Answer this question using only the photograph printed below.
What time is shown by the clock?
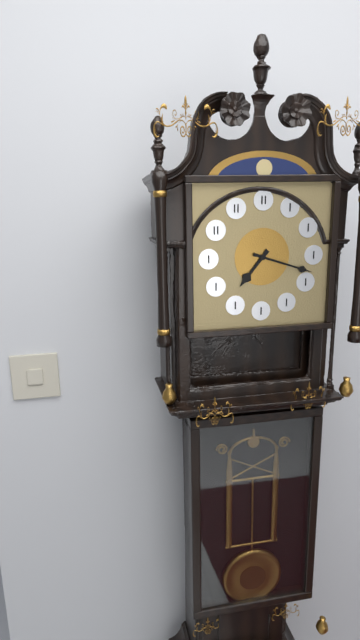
7:18
